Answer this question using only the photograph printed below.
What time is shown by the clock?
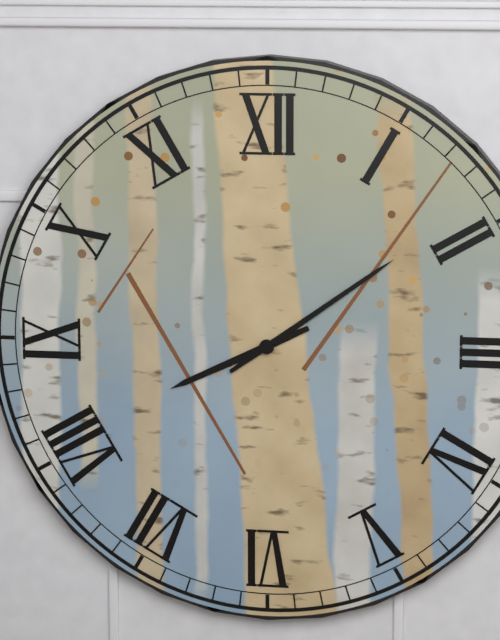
8:09
